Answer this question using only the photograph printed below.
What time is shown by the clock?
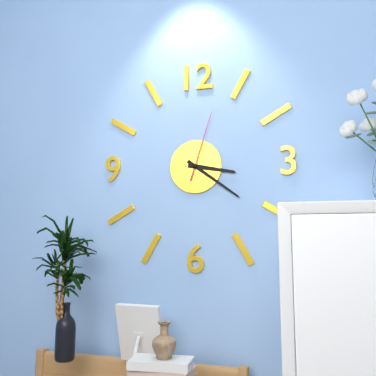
3:21:03
